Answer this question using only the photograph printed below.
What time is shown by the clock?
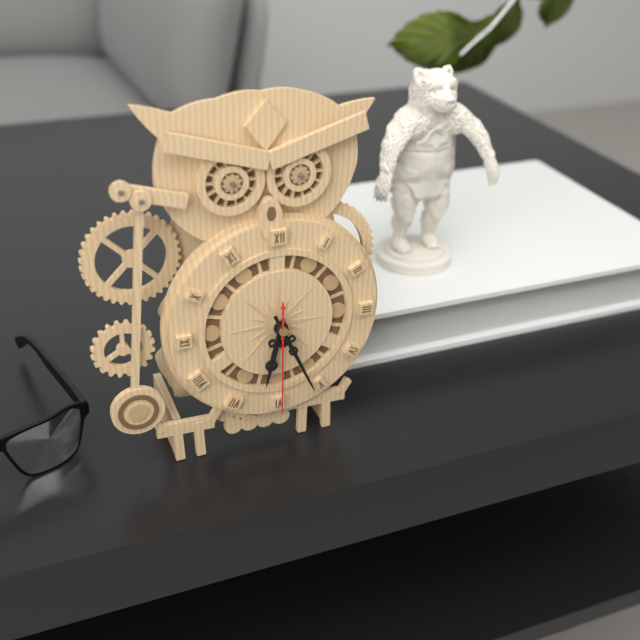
6:26:30
